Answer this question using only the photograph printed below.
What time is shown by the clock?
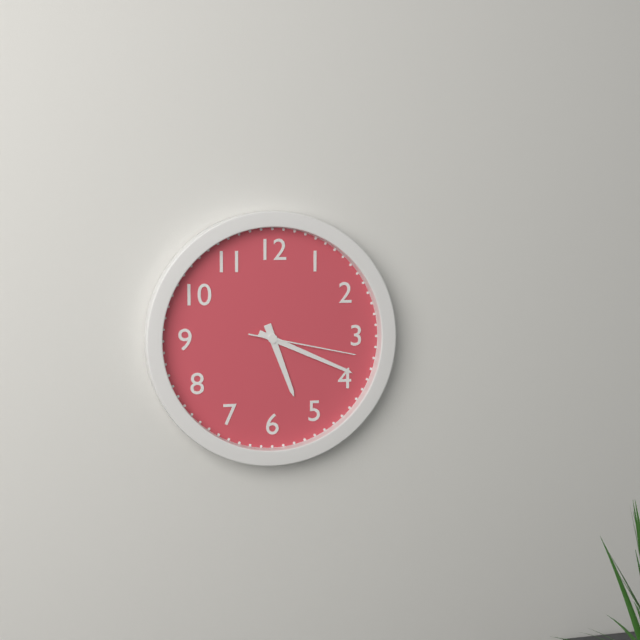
5:19:17
